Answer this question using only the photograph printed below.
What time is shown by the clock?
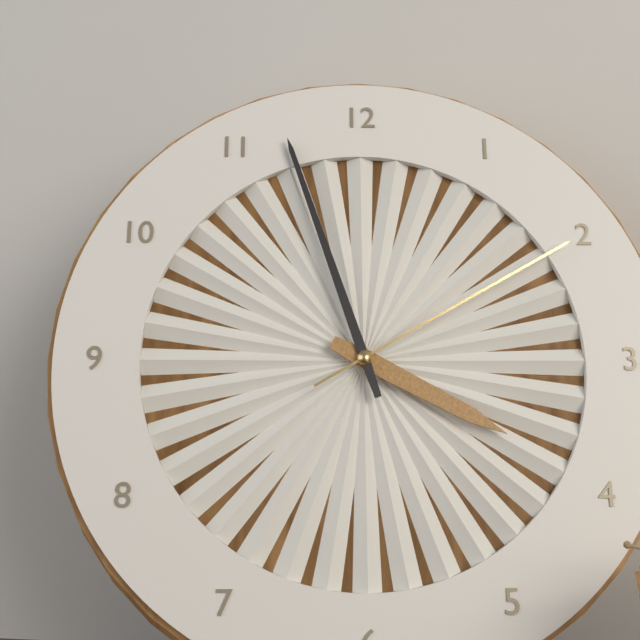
3:57:10
